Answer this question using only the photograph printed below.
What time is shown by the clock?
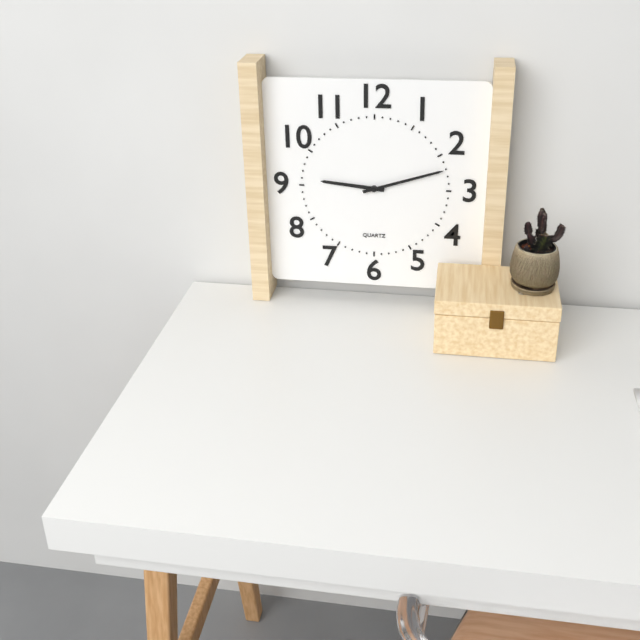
9:12
